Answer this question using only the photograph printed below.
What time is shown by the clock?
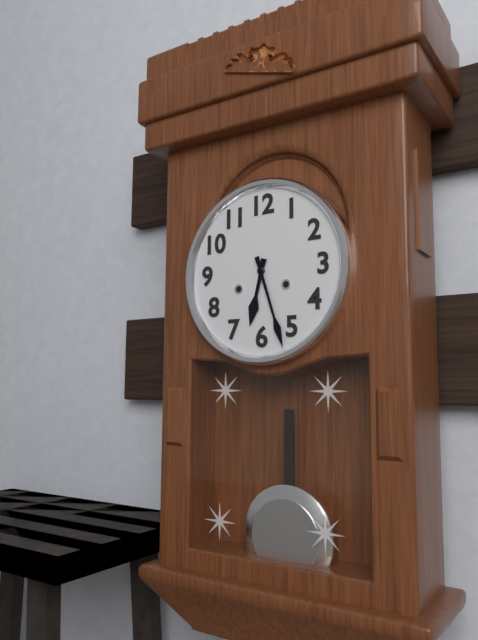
6:27
